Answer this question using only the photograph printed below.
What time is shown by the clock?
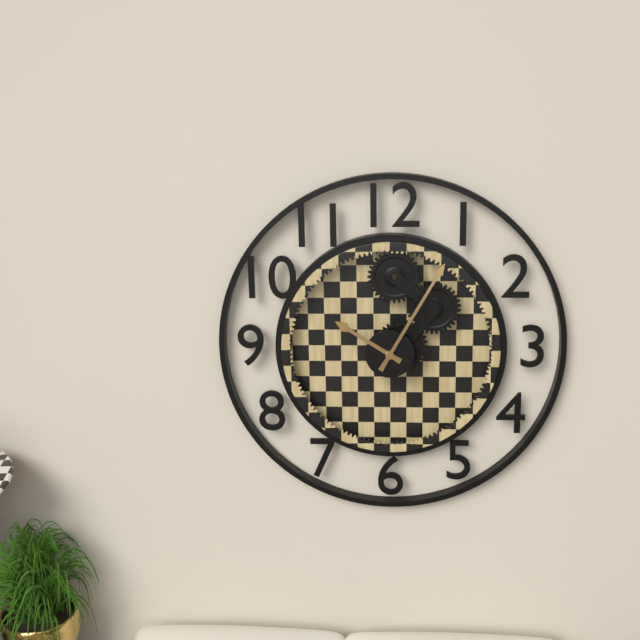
10:05
